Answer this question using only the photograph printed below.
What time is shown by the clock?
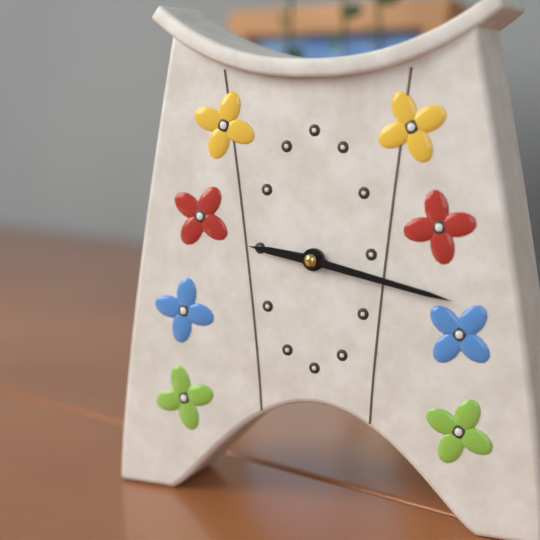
9:17
